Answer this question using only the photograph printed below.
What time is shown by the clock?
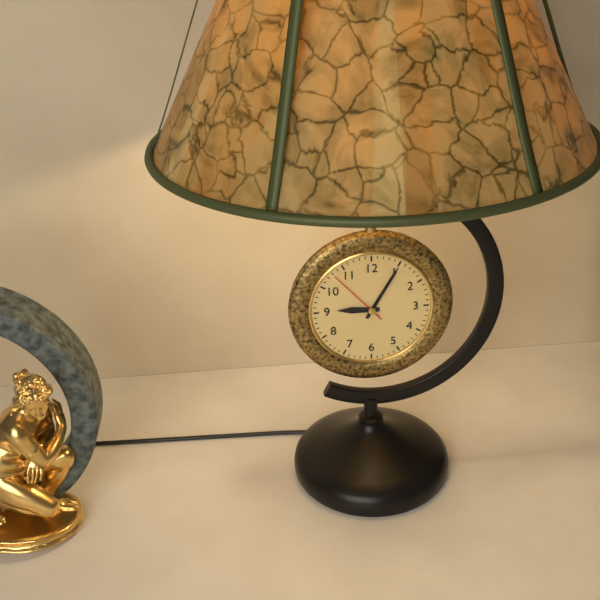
9:05:53
